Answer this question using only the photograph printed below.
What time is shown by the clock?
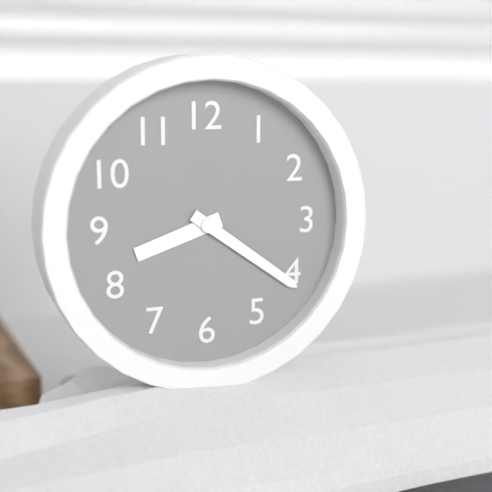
8:21
